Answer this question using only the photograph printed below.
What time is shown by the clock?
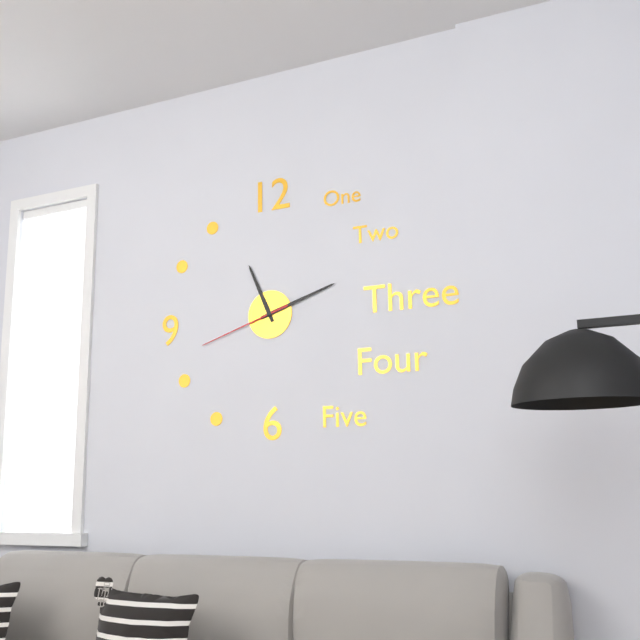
11:12:42
